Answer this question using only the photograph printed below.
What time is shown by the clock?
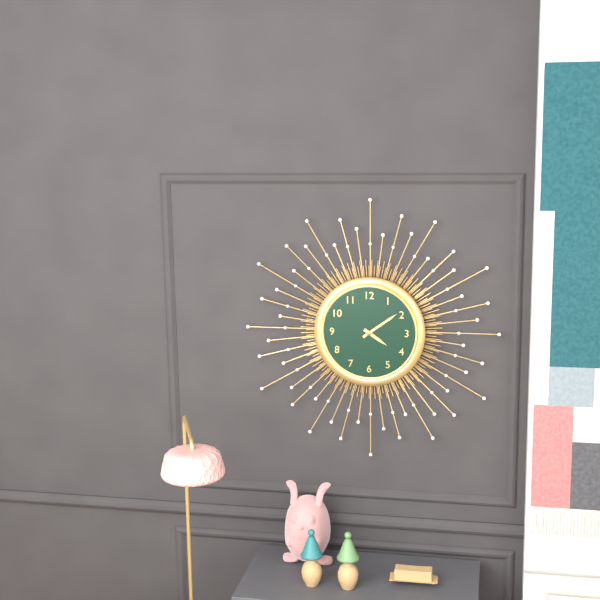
4:09
